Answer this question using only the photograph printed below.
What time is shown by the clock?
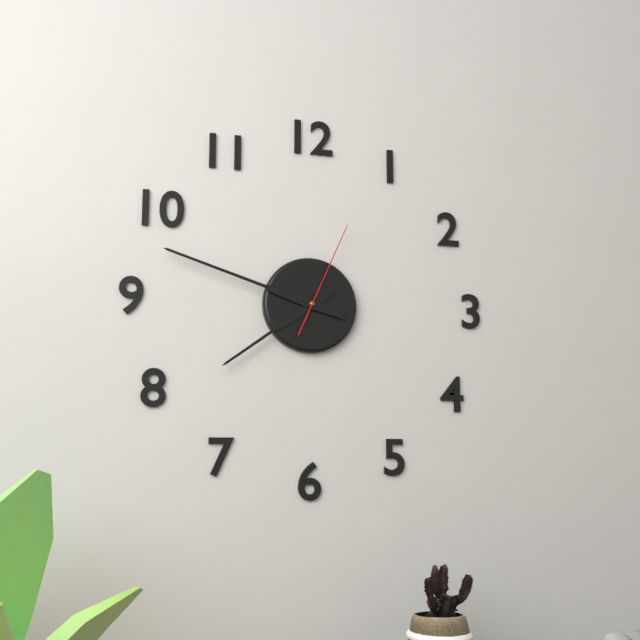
7:48:04
